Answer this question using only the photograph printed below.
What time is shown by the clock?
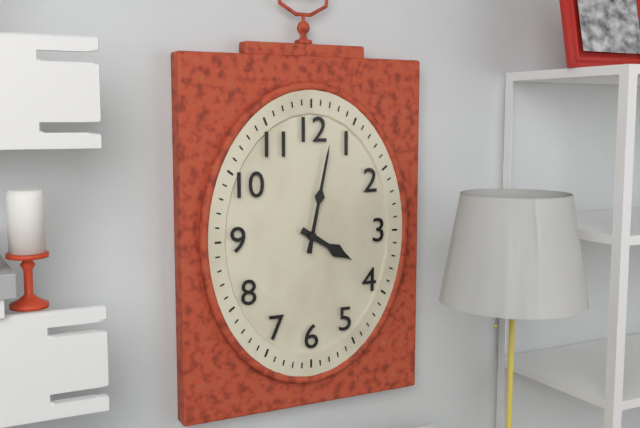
4:02
